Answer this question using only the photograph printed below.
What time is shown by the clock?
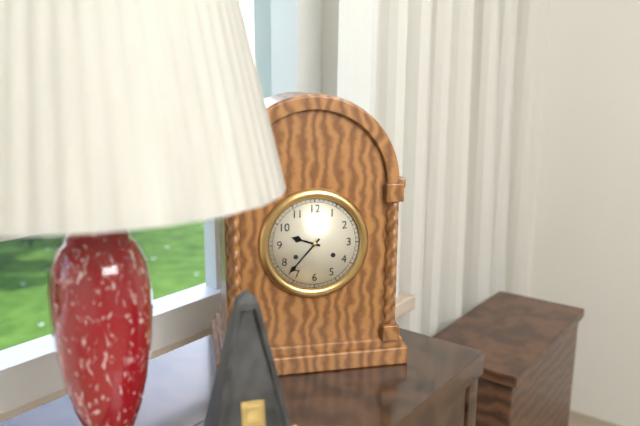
9:37
